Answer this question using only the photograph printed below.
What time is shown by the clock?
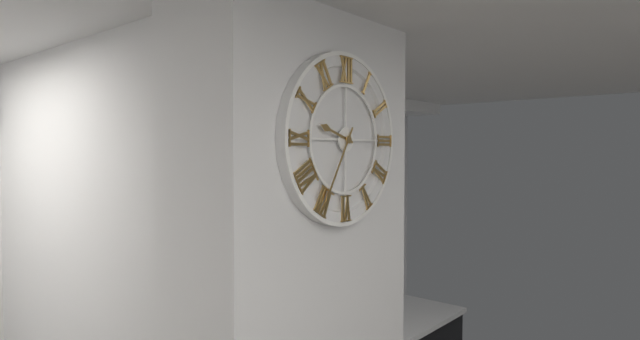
9:35
